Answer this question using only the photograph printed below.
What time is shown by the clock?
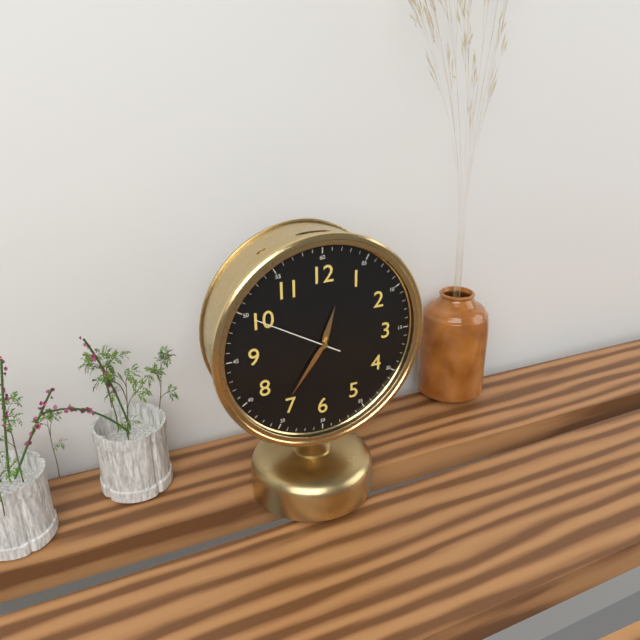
12:36:50
